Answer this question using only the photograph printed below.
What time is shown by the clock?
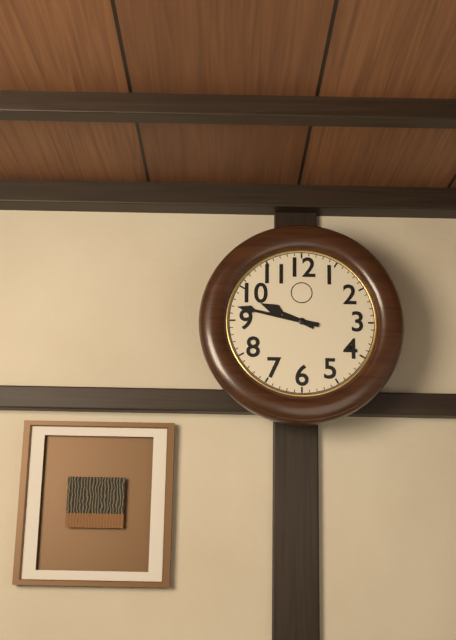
9:47
